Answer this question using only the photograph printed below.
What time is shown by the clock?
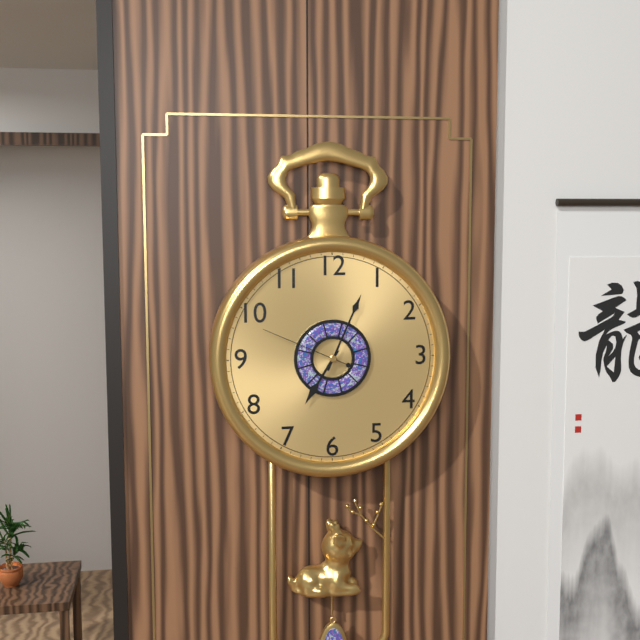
7:04:49
